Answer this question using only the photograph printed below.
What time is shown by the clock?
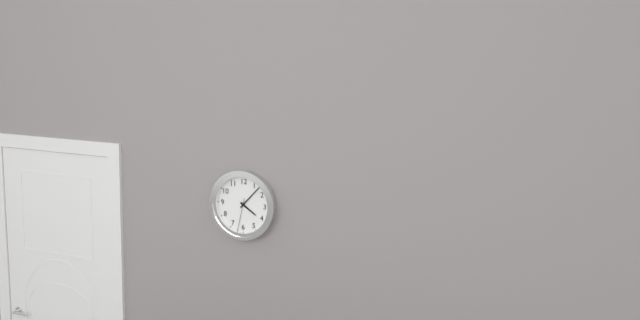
4:07
